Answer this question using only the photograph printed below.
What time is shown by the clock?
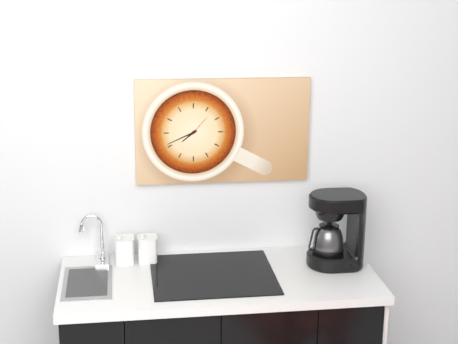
7:41
